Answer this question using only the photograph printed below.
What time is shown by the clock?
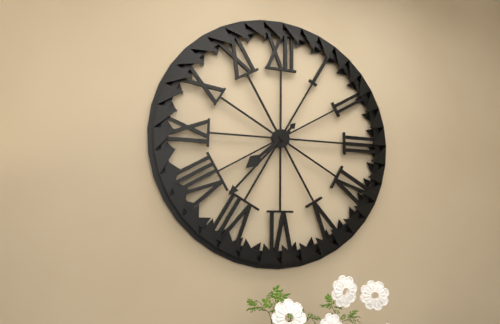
7:37
